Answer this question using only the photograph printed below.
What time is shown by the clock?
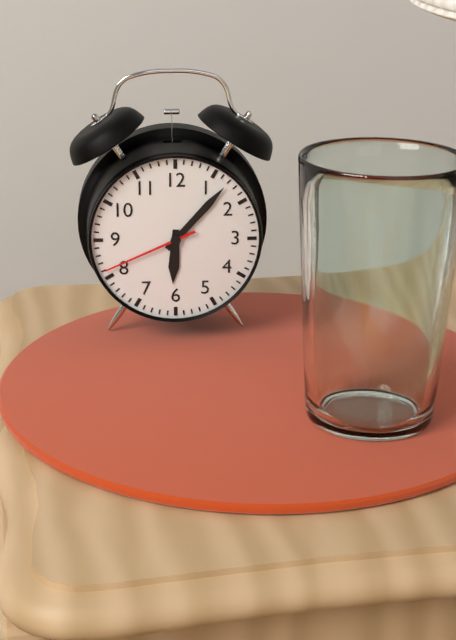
6:07:41
